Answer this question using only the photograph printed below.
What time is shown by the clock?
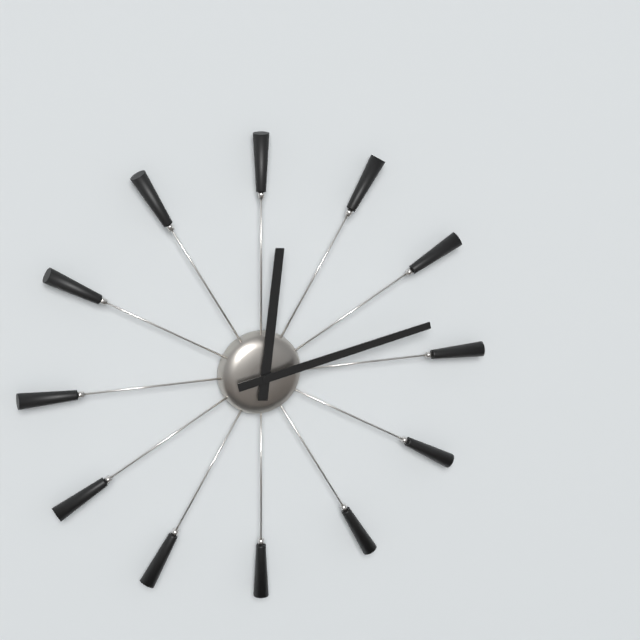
12:13
